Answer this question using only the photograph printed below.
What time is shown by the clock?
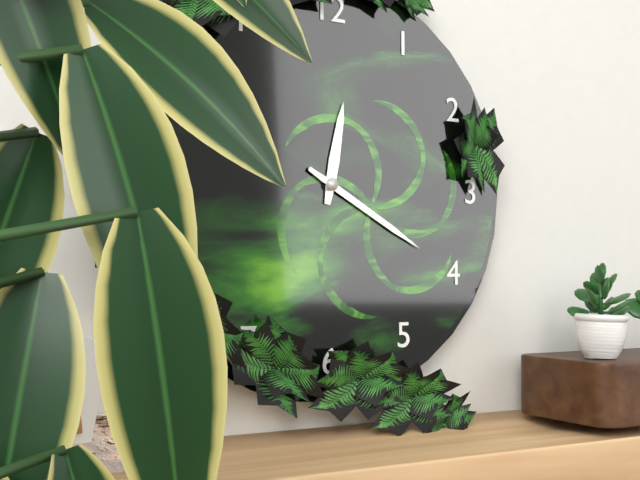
12:20
